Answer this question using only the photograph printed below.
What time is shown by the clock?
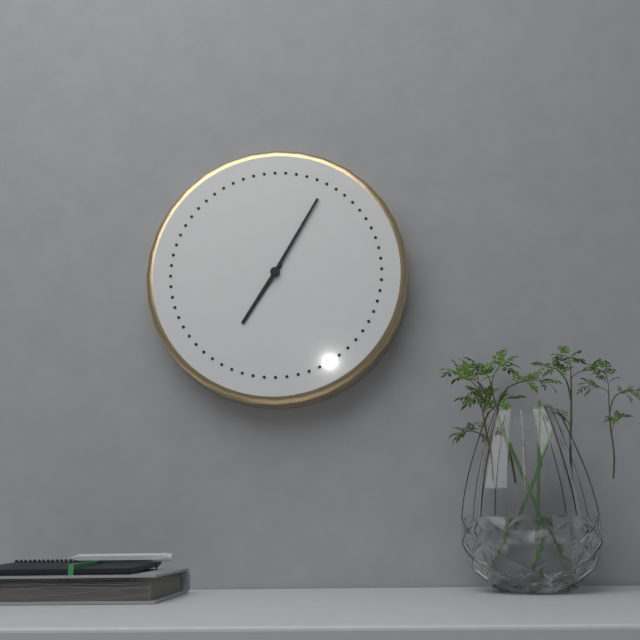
7:05
